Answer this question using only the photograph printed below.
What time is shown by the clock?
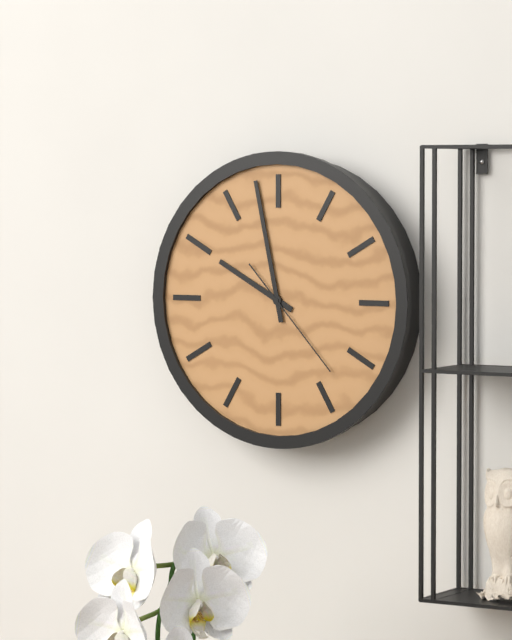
9:58:23
